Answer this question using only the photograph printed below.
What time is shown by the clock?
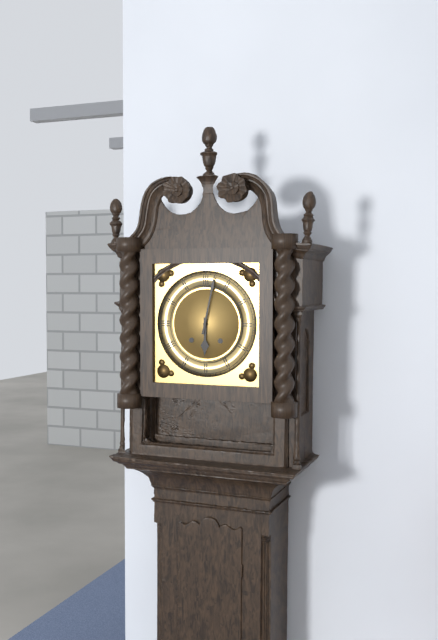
6:02
